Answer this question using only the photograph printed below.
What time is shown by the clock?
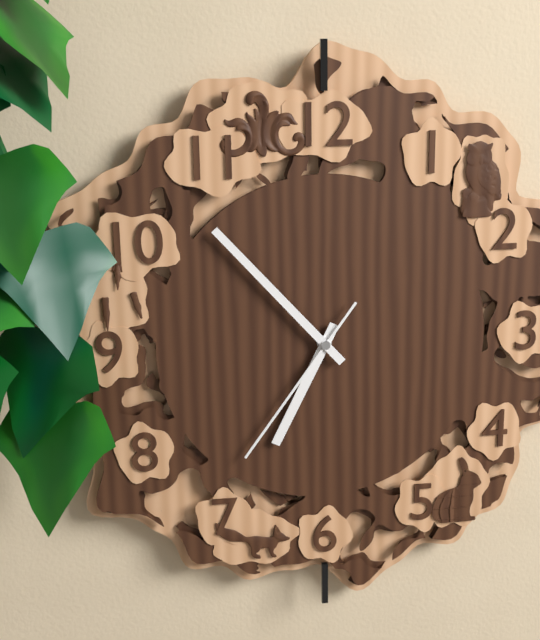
6:53:36
